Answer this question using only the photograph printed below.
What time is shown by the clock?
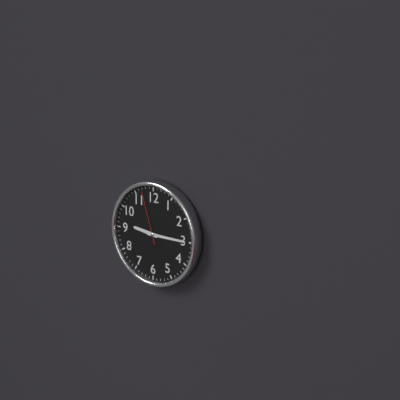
9:15:57
